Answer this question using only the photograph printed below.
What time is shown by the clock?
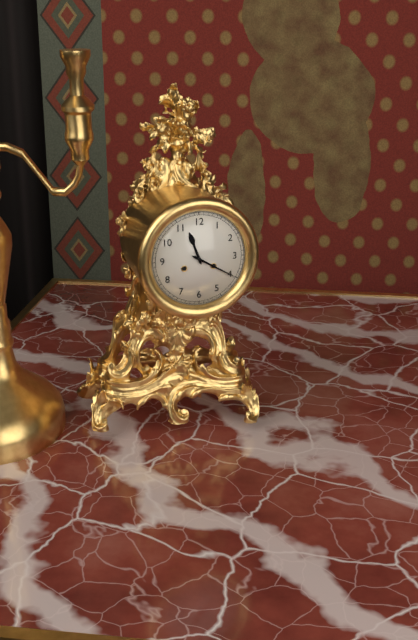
11:20
